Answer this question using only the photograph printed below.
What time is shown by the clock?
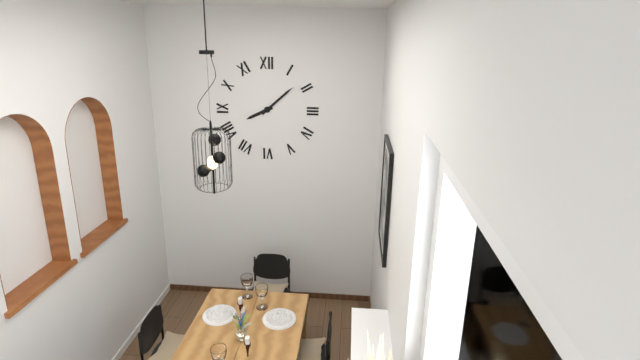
8:08
